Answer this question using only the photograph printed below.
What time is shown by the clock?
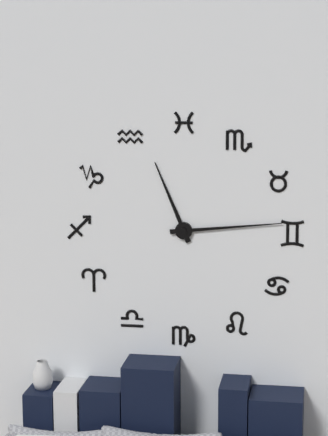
11:14
